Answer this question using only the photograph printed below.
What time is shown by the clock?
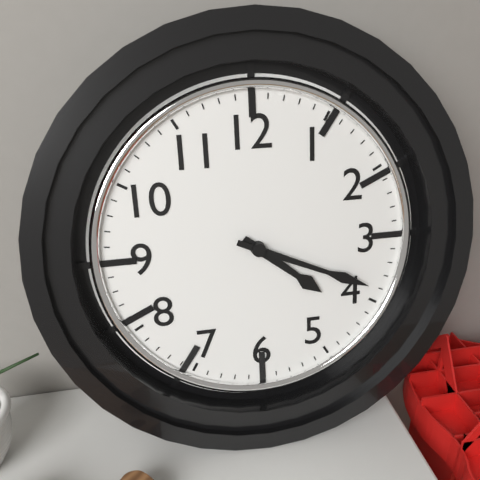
4:19
